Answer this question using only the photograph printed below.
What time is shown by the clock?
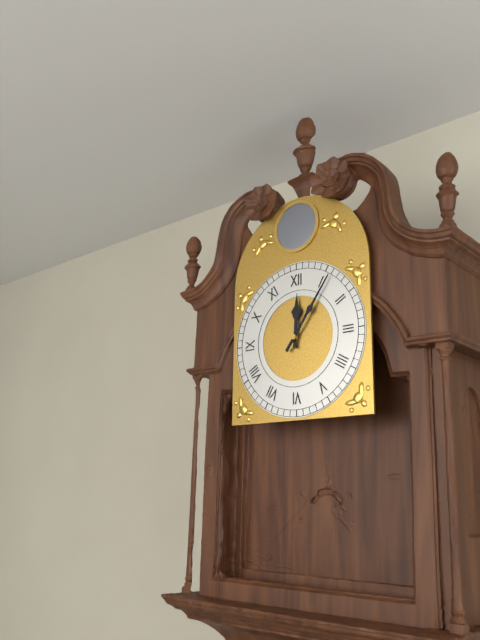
12:06
